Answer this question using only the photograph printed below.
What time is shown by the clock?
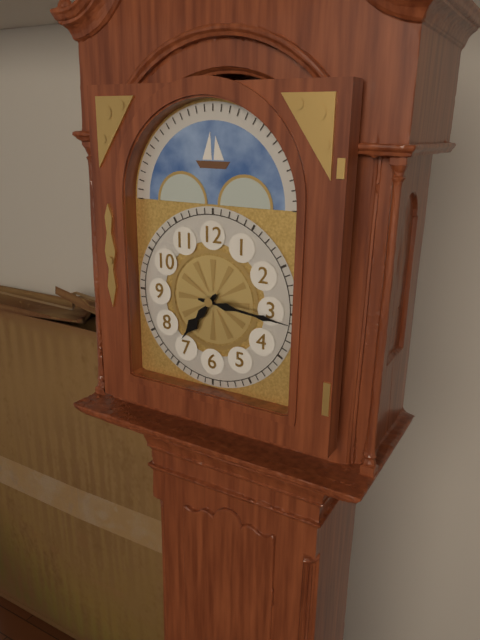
7:16
